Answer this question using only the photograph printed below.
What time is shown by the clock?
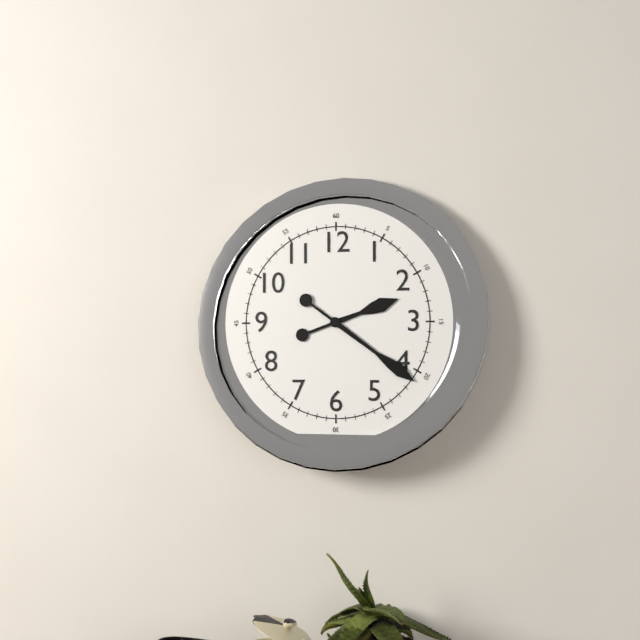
2:21
